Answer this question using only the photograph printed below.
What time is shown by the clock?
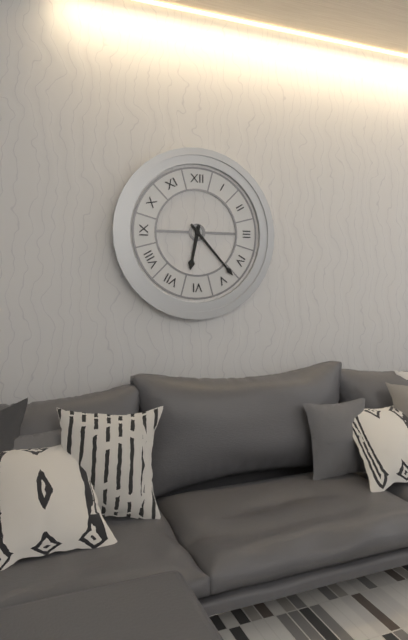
6:23
